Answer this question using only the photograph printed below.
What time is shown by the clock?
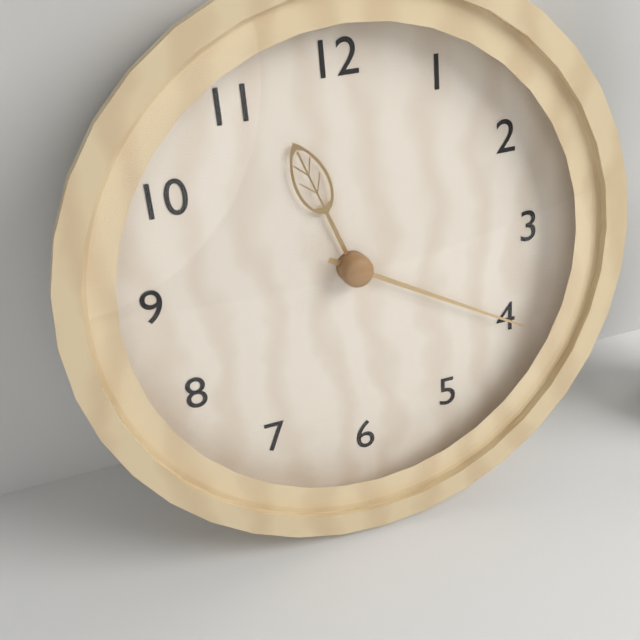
11:20
